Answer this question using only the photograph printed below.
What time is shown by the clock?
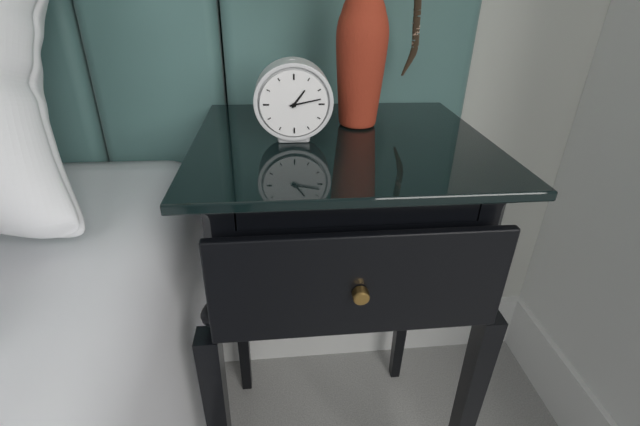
1:13
